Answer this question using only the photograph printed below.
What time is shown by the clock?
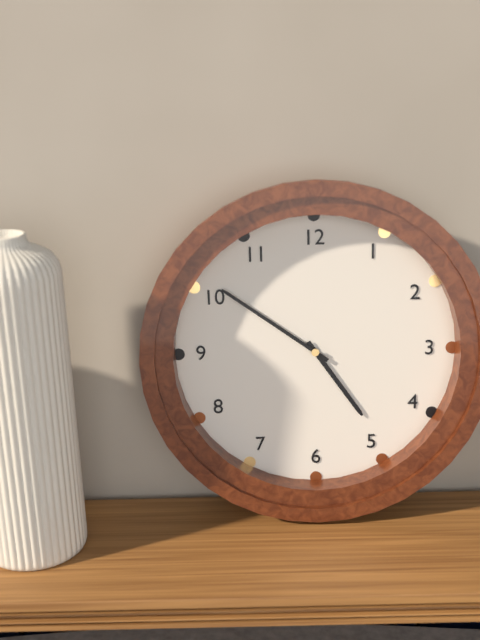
4:51
